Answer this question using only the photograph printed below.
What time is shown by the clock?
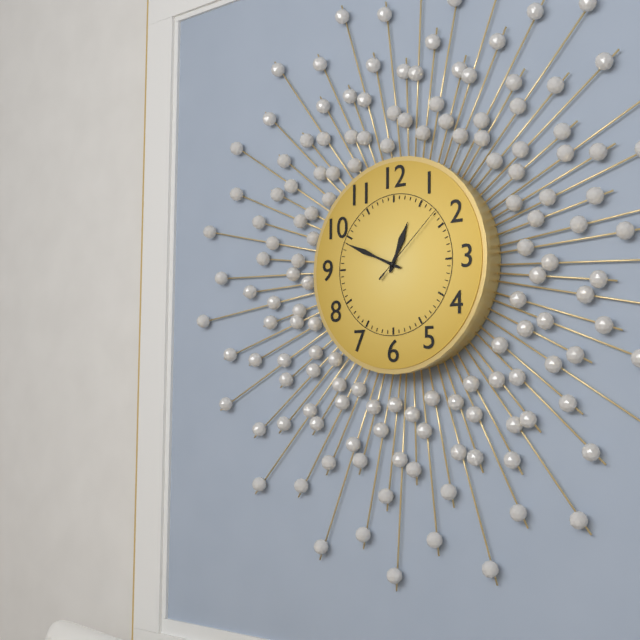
12:49:08
